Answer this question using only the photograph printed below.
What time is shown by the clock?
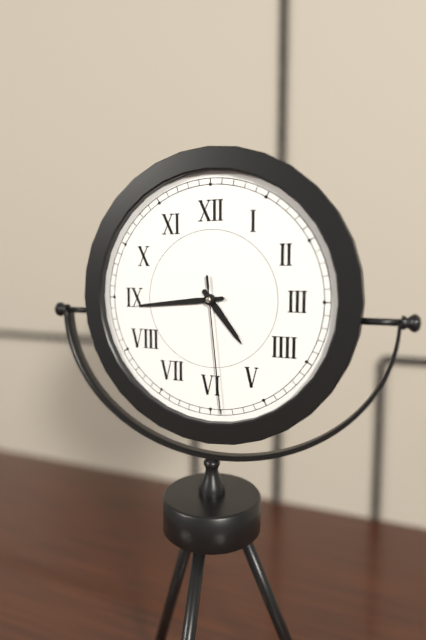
4:44:29
